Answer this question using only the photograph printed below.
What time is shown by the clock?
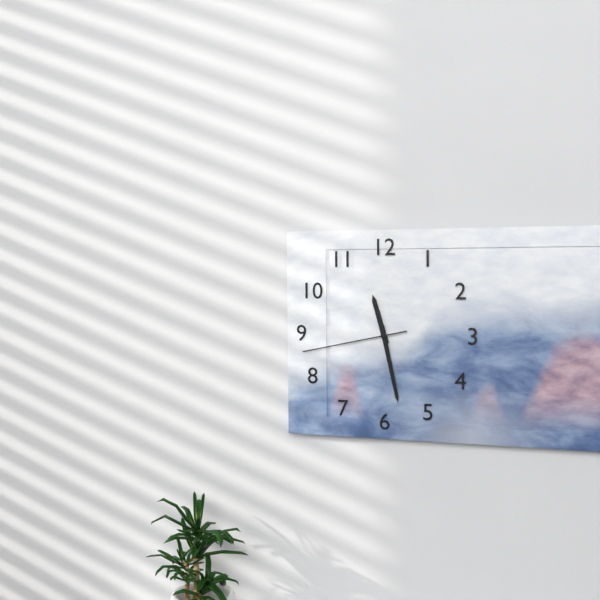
11:28:43
